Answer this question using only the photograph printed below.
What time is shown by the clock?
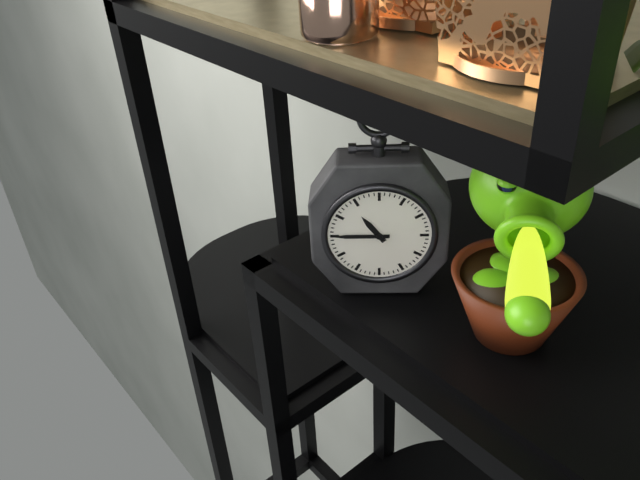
10:45
